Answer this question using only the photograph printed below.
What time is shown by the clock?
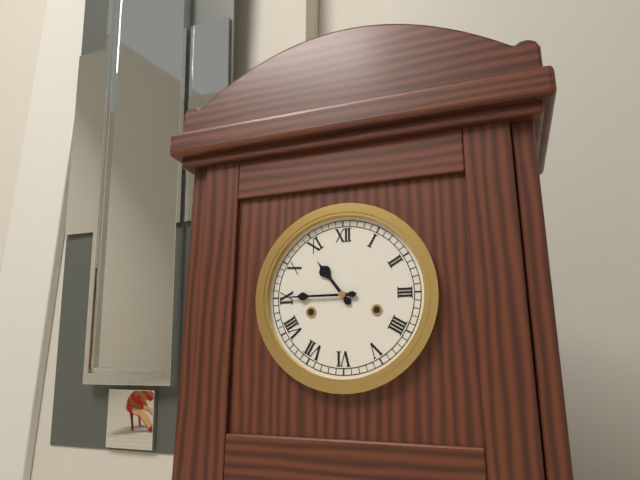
10:45
